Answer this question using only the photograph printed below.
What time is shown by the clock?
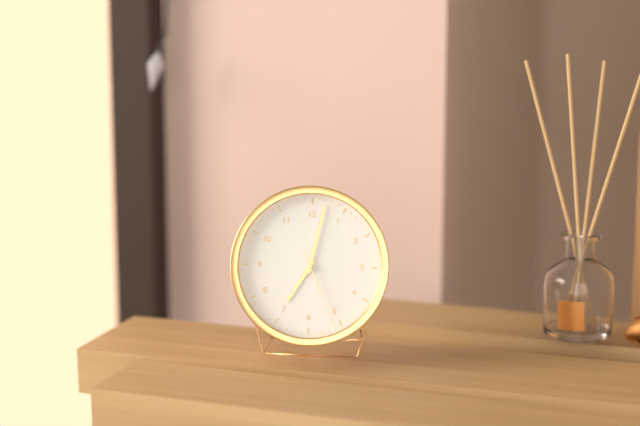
7:02:26
